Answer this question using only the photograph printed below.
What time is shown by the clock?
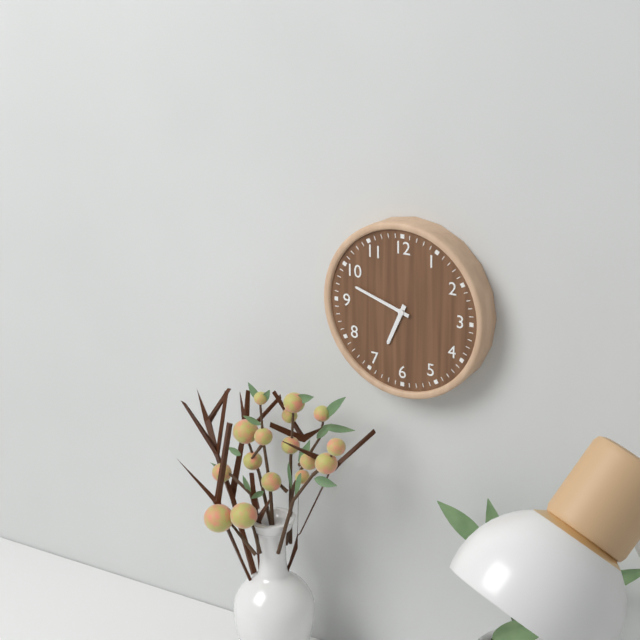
6:48
